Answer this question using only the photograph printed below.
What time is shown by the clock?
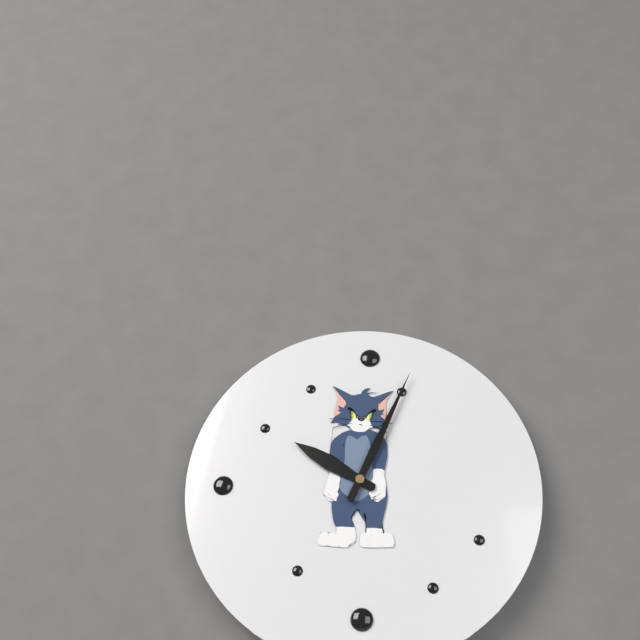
10:04
